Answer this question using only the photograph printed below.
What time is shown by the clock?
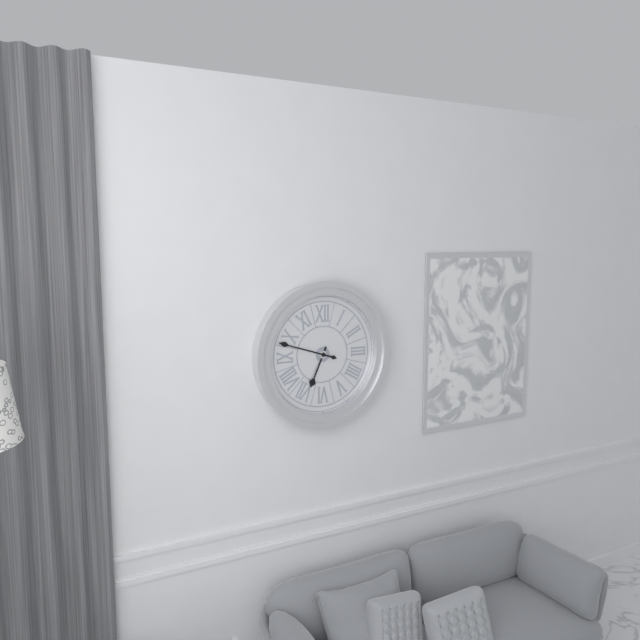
6:48
